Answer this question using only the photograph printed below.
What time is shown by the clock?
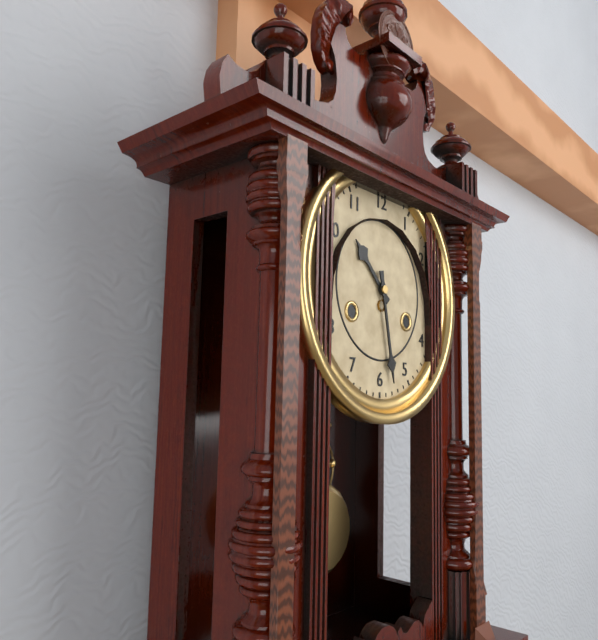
10:28
